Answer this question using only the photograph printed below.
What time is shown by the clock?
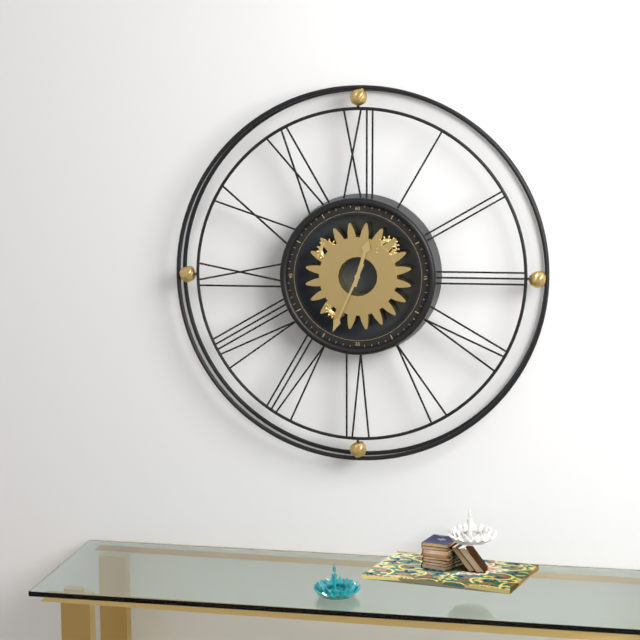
12:34
